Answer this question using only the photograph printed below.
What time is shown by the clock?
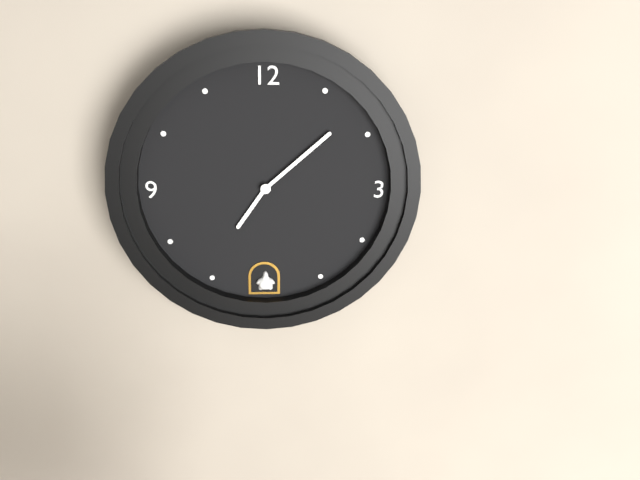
7:08
